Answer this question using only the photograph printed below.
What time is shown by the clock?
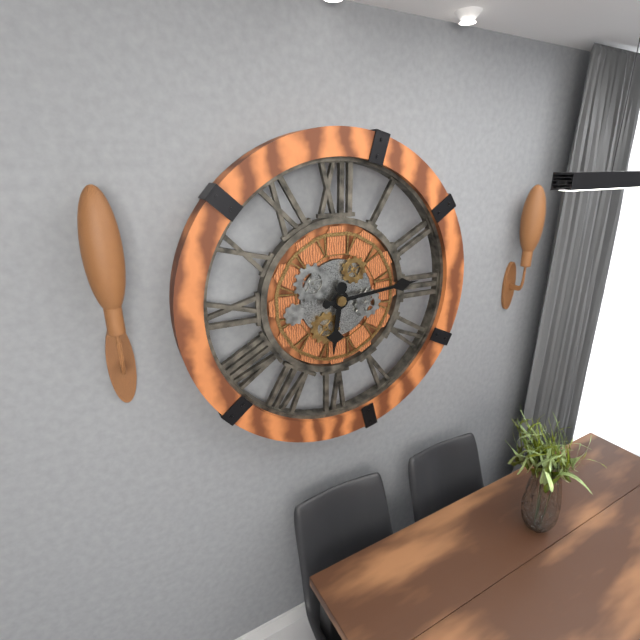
6:14
